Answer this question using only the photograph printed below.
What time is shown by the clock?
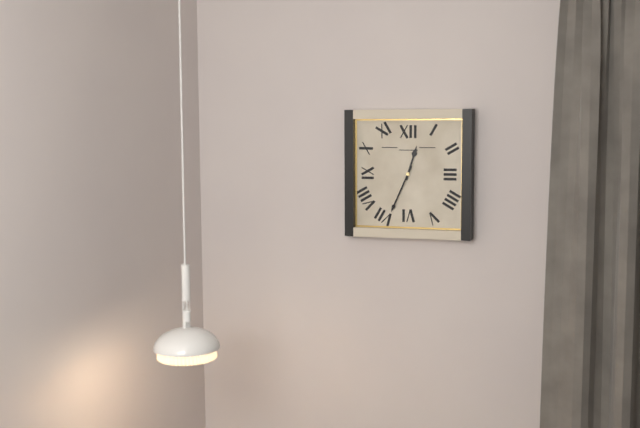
12:34
